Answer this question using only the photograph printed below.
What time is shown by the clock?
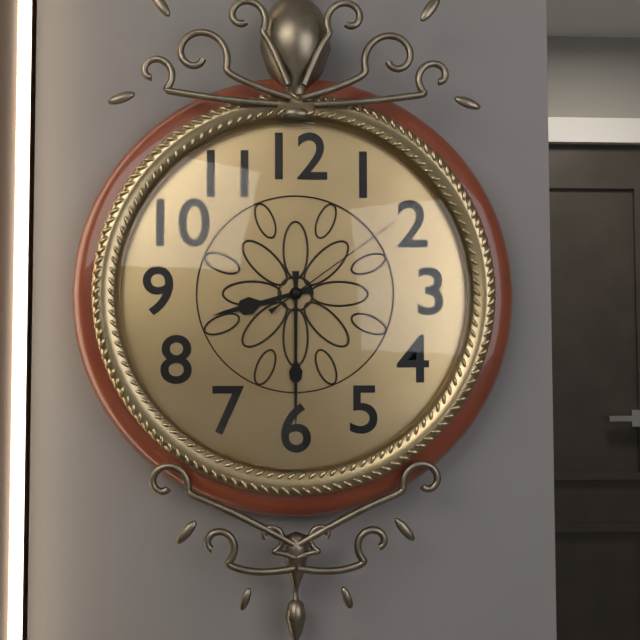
8:30:09
